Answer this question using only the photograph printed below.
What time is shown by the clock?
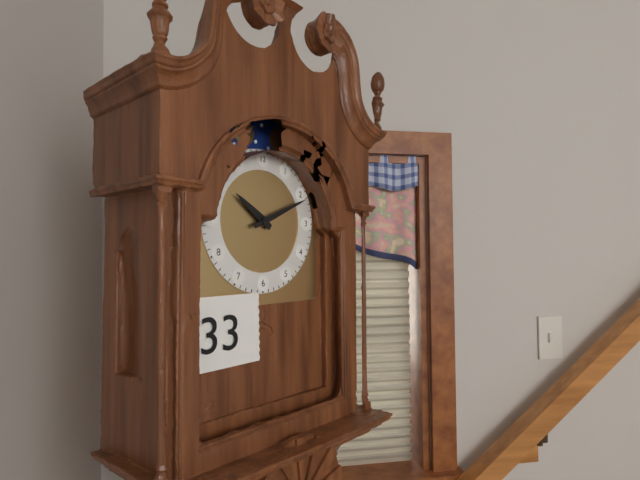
10:11
